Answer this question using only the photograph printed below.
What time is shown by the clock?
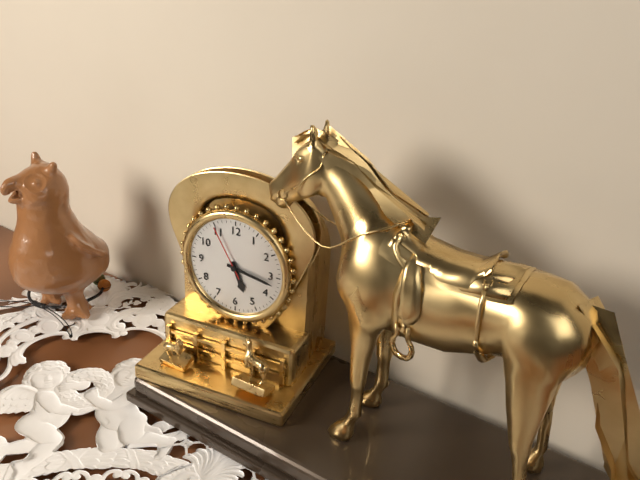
5:17:55
